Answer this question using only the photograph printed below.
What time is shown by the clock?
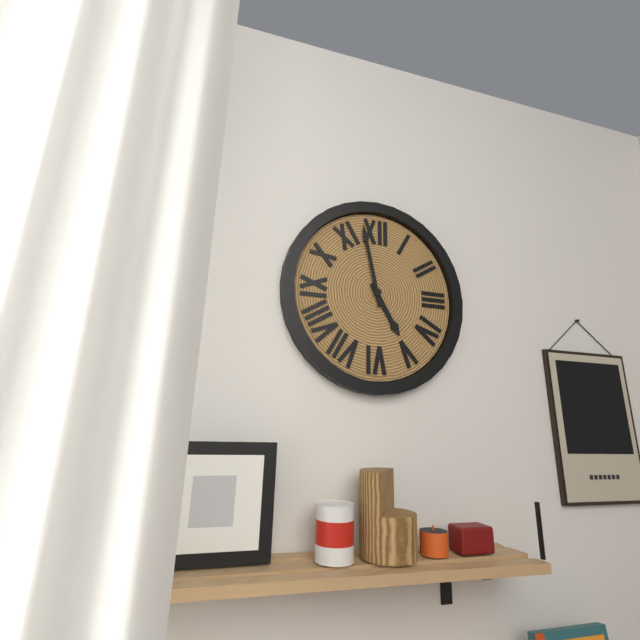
4:58
